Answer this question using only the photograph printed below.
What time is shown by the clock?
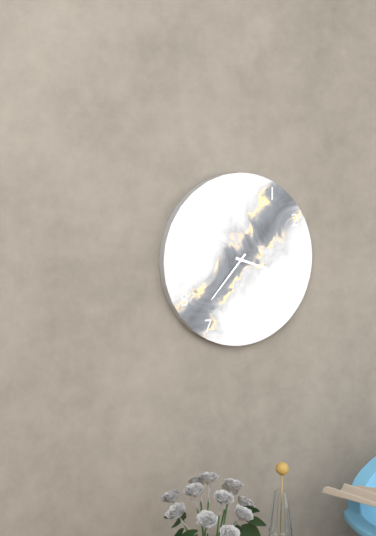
3:37
